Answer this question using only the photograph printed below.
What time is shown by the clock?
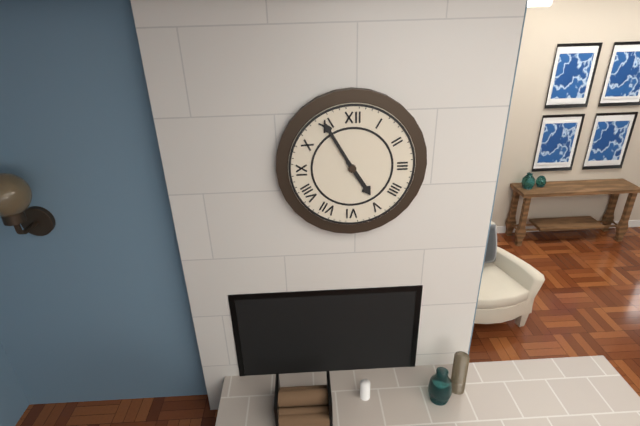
4:55
